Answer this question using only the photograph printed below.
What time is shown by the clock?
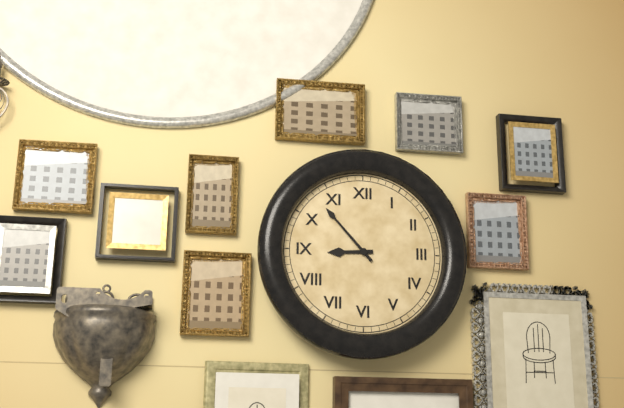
8:53
